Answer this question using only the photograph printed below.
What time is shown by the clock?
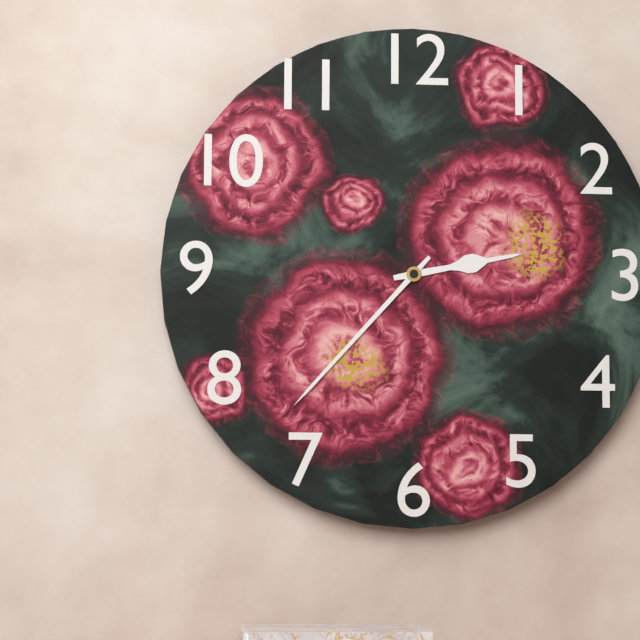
2:37
